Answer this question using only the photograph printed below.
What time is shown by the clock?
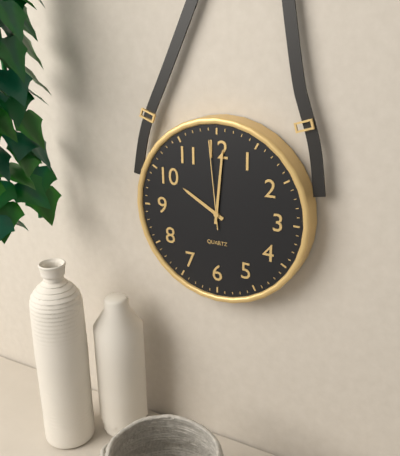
10:01:59
